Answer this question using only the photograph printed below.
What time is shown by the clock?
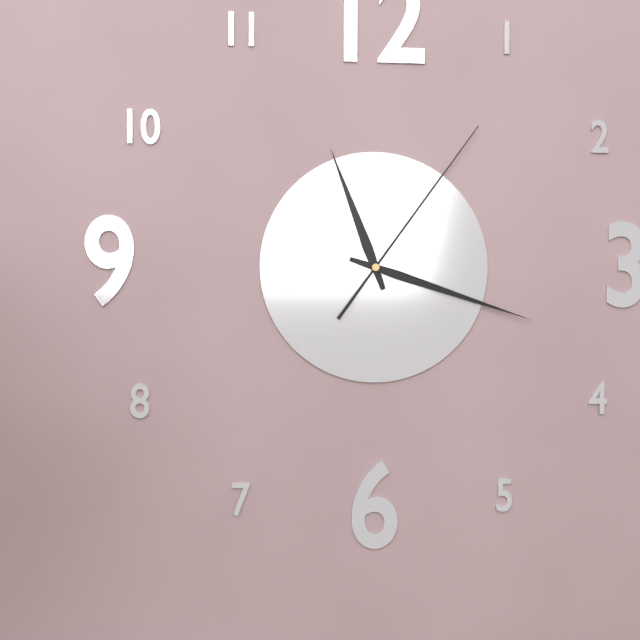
11:18:06
